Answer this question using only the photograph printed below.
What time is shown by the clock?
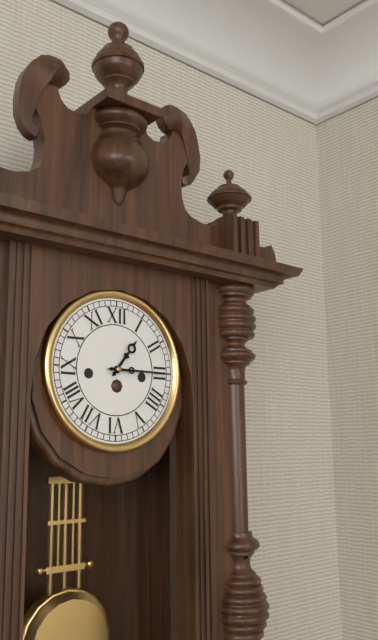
1:15
